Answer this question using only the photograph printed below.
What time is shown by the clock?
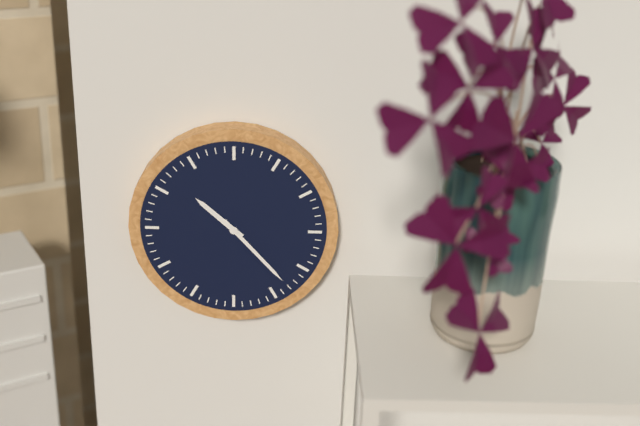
10:23
